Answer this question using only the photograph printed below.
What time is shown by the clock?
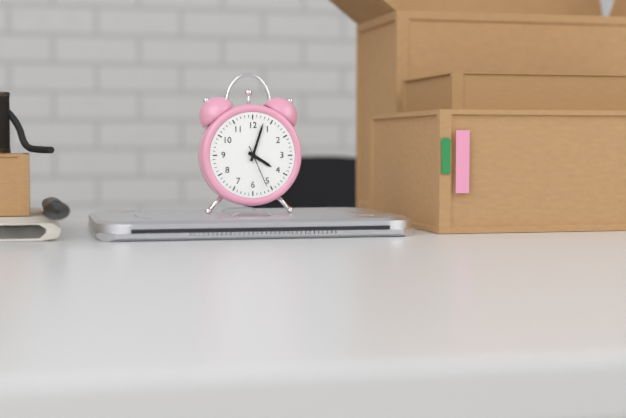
4:03
